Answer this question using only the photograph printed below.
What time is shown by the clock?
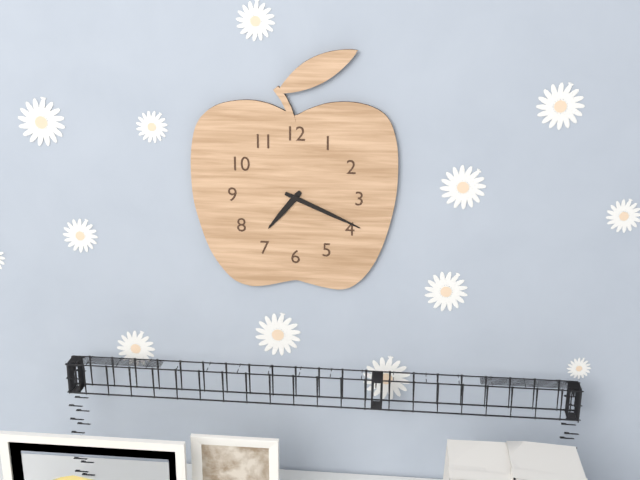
7:19
